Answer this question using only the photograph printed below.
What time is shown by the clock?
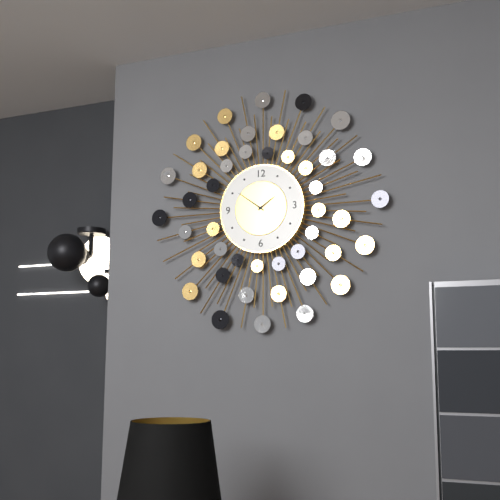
1:51
